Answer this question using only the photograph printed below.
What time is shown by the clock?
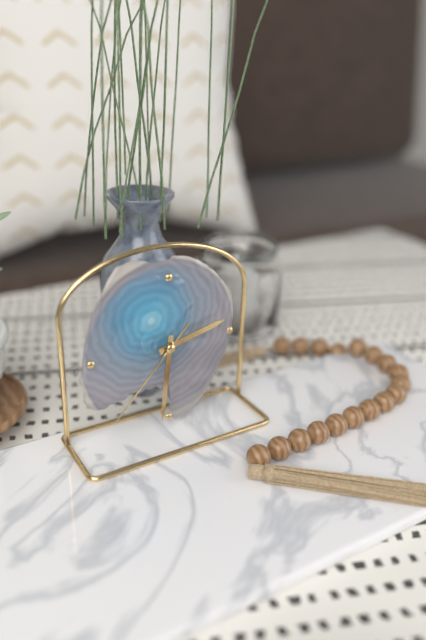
2:31:37
